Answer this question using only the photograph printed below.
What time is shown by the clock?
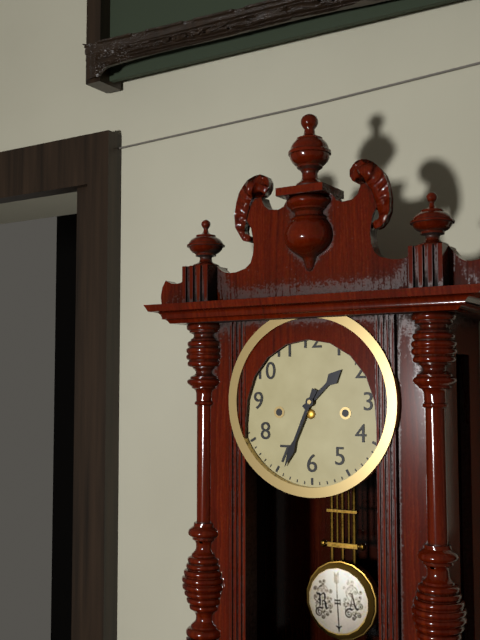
1:34
